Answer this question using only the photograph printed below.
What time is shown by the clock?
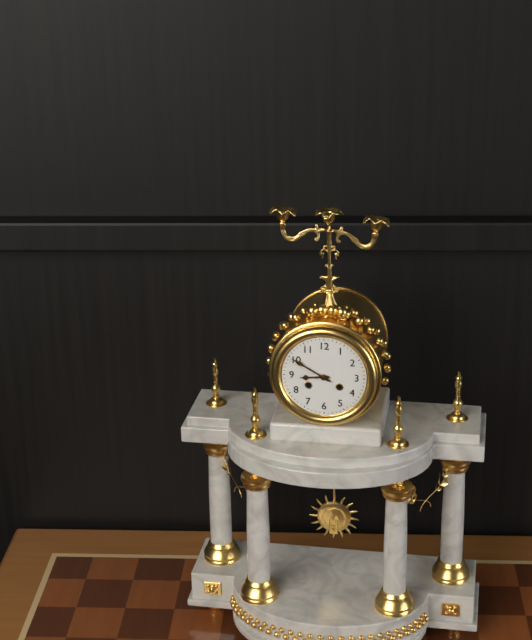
8:50
